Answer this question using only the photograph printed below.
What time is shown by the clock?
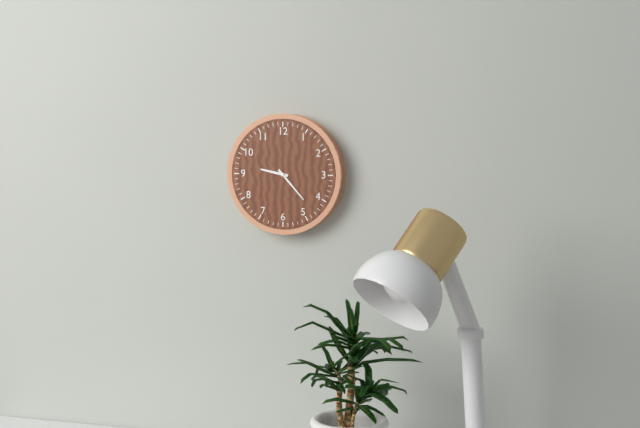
9:23
